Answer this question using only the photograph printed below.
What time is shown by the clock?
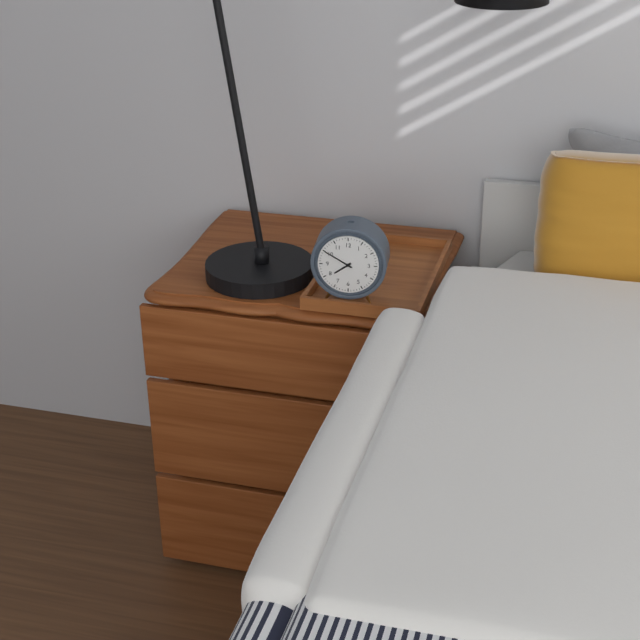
7:50
